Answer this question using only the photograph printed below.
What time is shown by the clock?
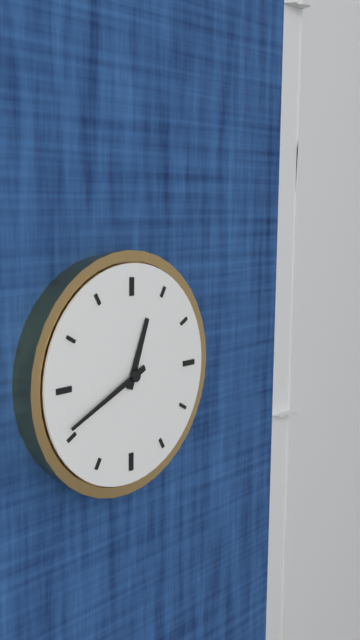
12:41
